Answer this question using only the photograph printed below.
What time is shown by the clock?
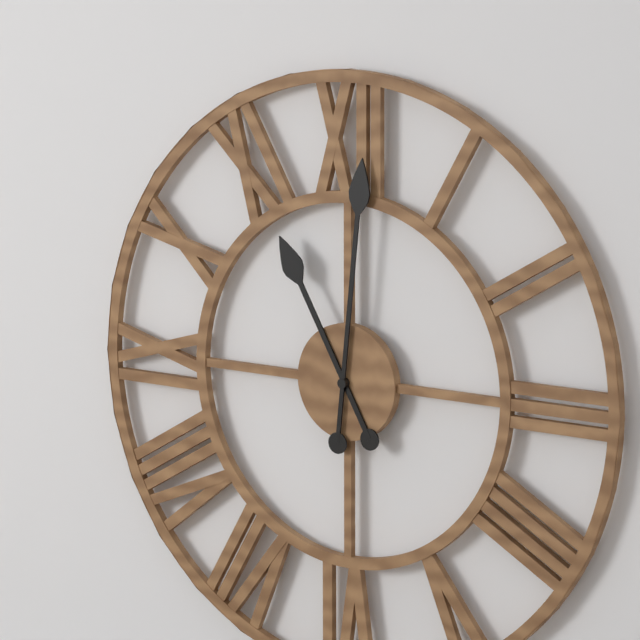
11:01
